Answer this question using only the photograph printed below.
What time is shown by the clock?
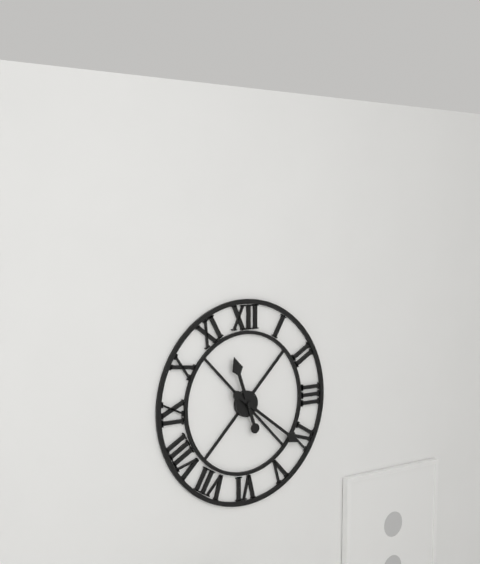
11:21
